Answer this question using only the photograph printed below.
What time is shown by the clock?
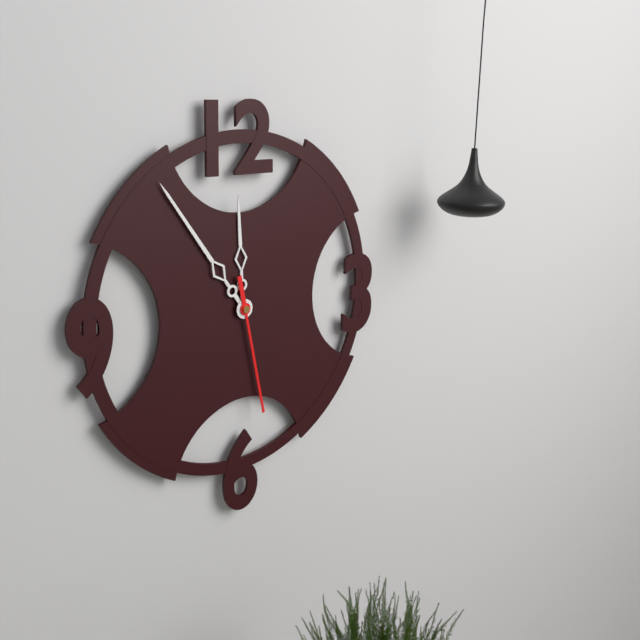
11:54:28
